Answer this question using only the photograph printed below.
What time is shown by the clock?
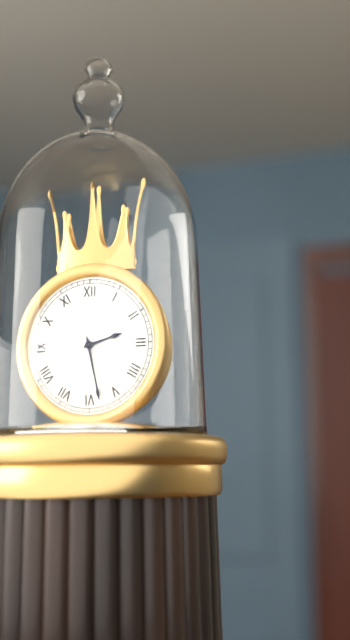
2:28
